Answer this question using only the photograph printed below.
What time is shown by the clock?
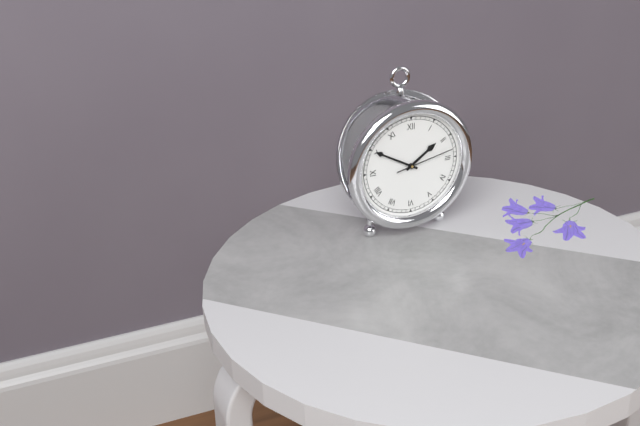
1:50:13
